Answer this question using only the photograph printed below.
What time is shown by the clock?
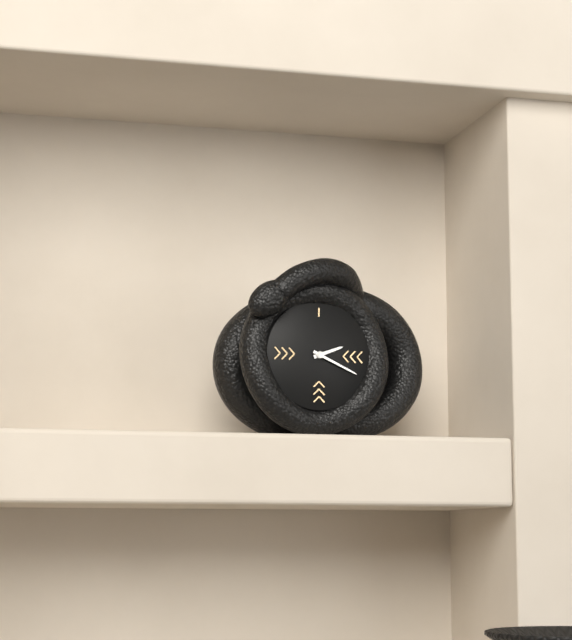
2:19
